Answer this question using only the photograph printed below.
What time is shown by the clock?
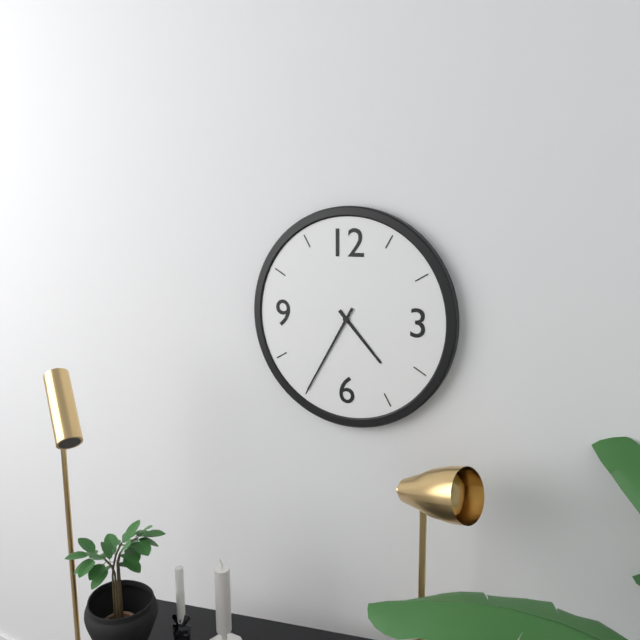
4:35
